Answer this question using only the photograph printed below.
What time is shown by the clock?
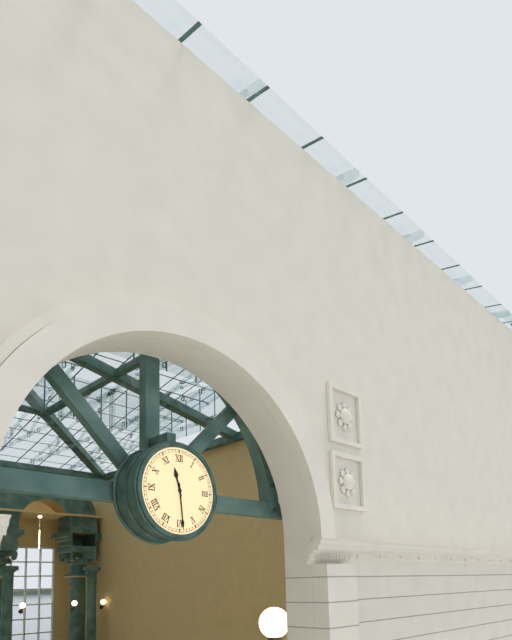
11:29
